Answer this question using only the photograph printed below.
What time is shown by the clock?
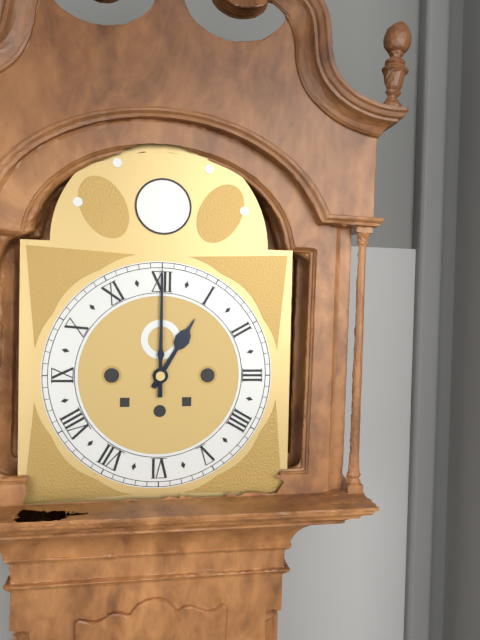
1:00
